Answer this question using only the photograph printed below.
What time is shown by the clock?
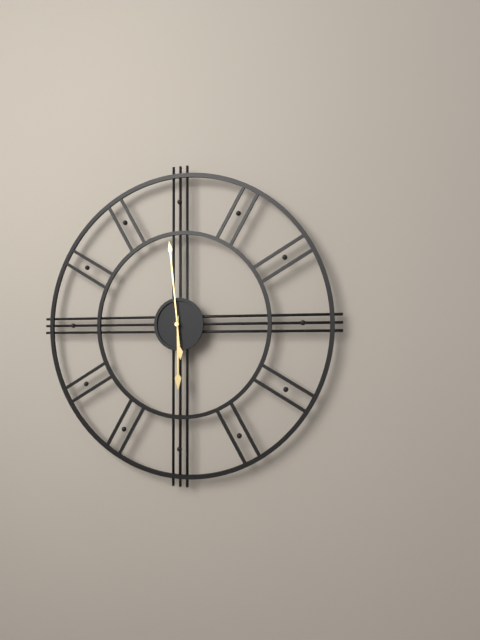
5:59
